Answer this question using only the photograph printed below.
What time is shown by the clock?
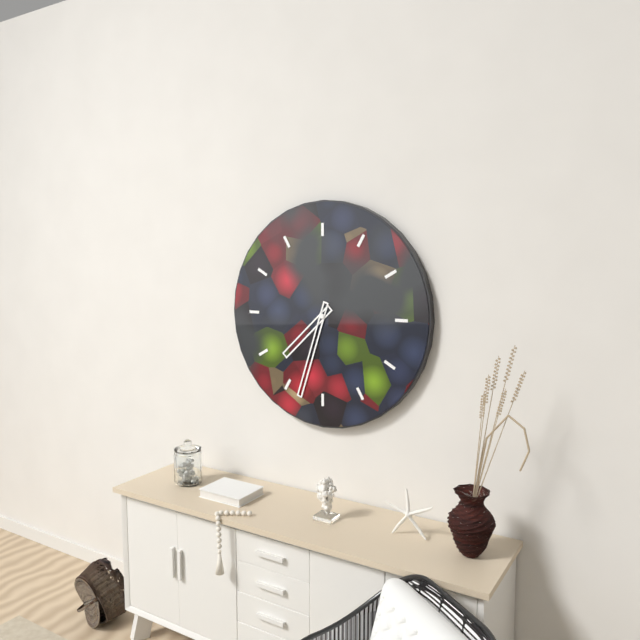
7:33
